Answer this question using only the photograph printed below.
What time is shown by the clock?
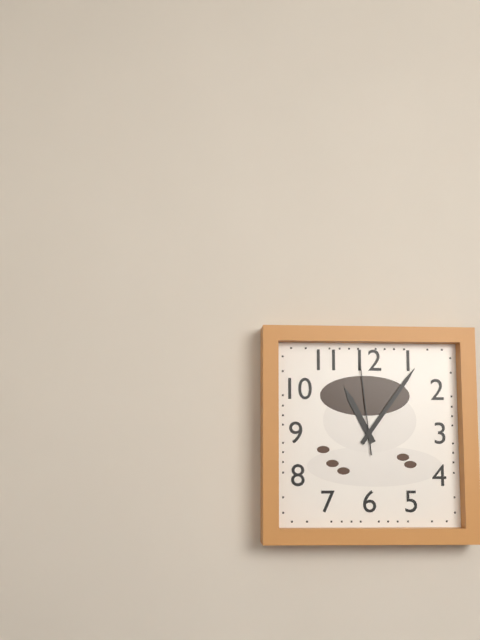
11:06:59
